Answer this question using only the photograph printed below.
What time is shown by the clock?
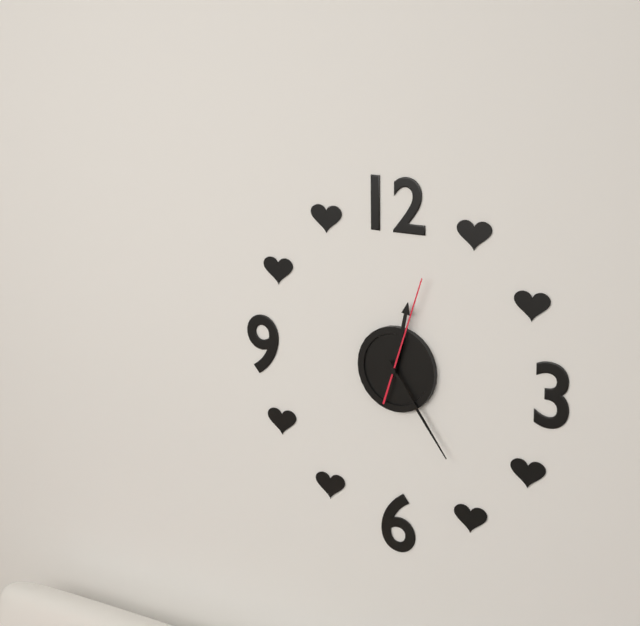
12:24:03
